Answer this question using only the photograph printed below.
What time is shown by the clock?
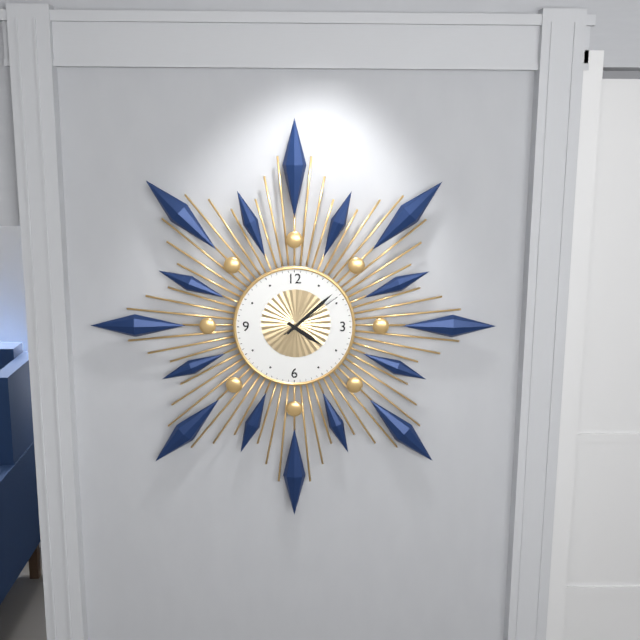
4:08:09
